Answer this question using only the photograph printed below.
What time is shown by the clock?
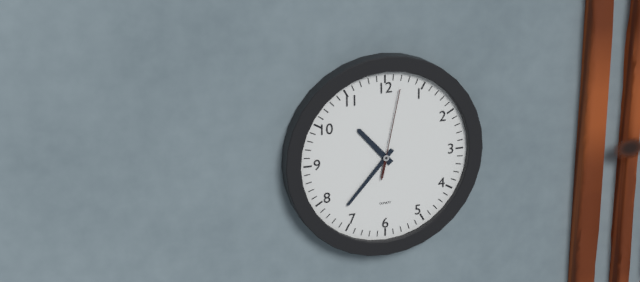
10:37:02
